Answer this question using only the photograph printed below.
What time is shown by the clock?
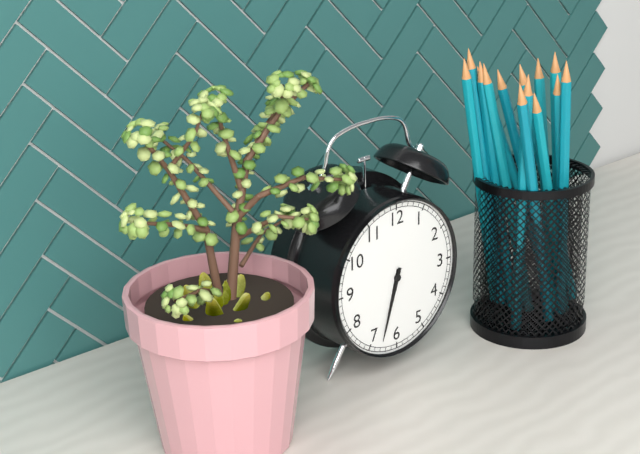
6:33
